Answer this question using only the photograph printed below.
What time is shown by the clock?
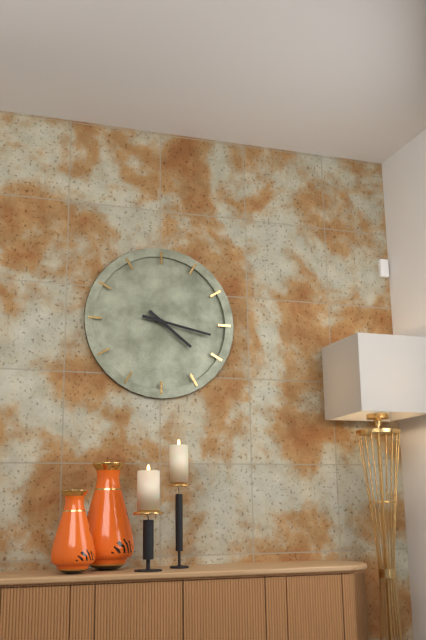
4:17
